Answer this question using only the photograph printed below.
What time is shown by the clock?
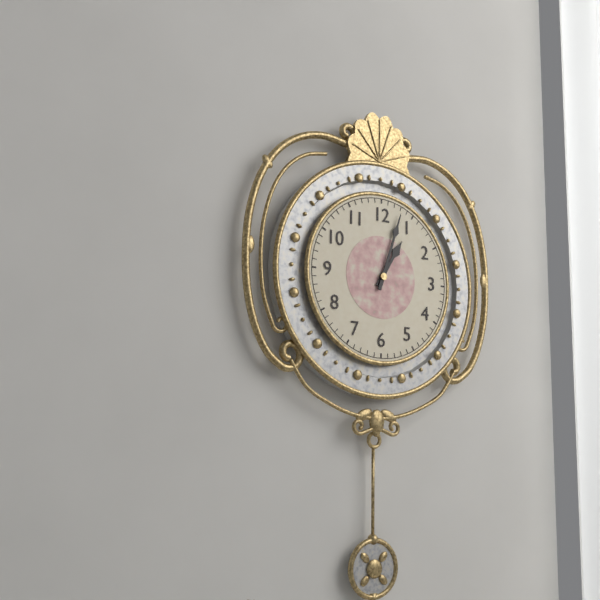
1:03
